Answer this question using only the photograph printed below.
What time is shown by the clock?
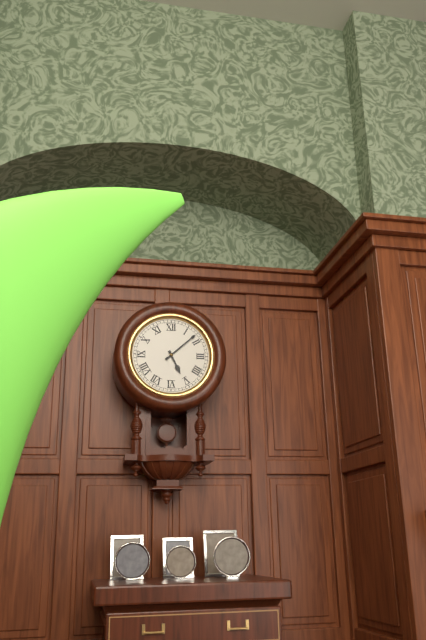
5:08
